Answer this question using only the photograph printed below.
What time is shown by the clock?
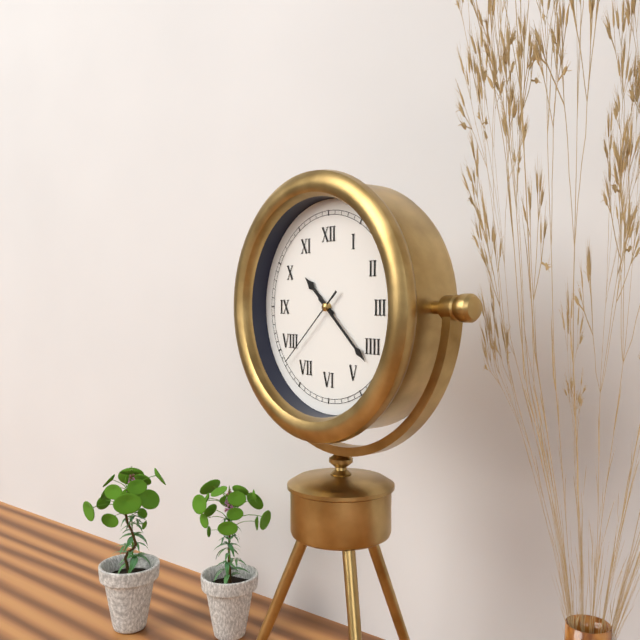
10:22:38
